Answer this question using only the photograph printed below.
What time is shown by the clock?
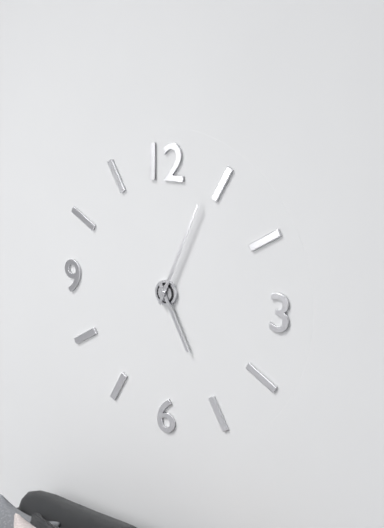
5:04
